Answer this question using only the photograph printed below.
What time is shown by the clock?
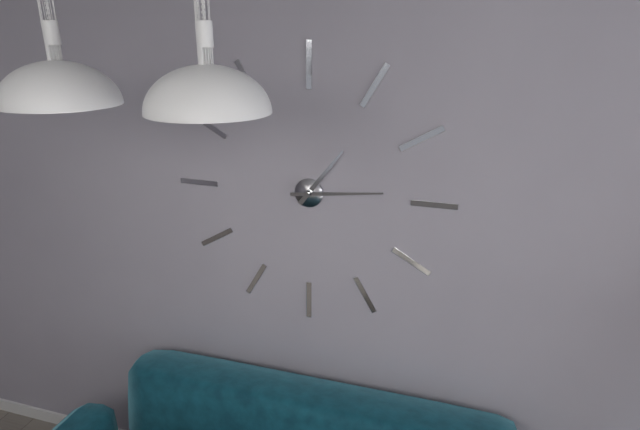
1:14
